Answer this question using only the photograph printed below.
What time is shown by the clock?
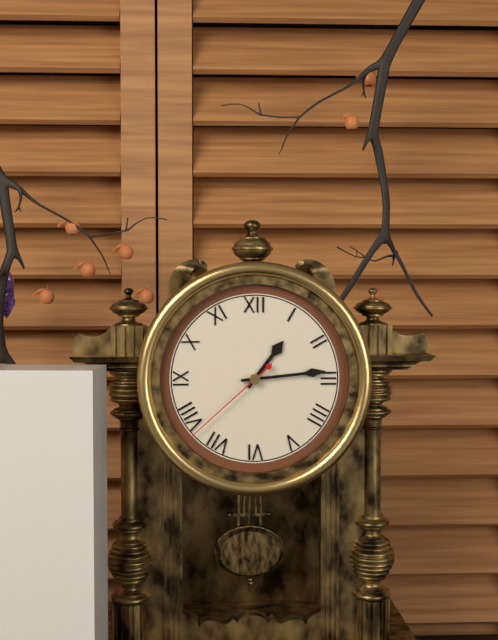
1:14:38
